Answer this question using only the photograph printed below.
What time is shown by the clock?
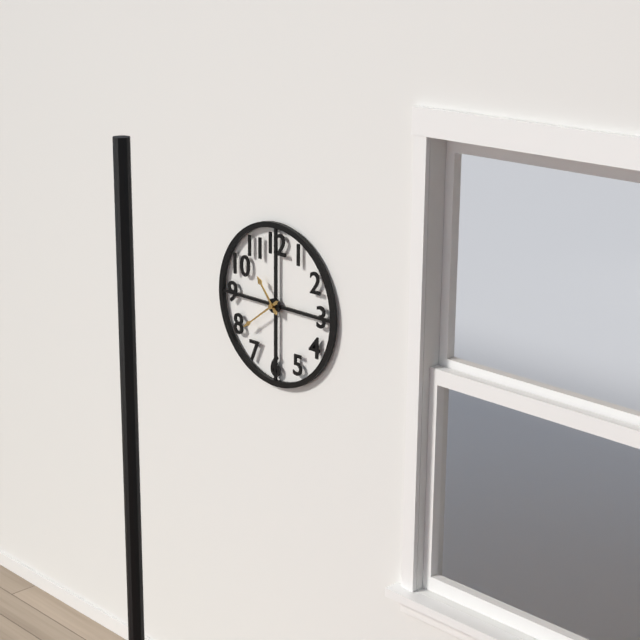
10:39
